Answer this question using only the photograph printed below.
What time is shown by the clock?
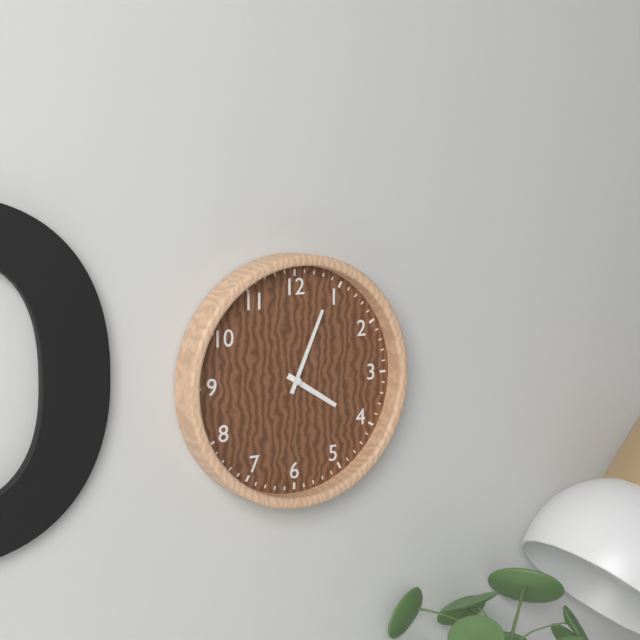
4:04
